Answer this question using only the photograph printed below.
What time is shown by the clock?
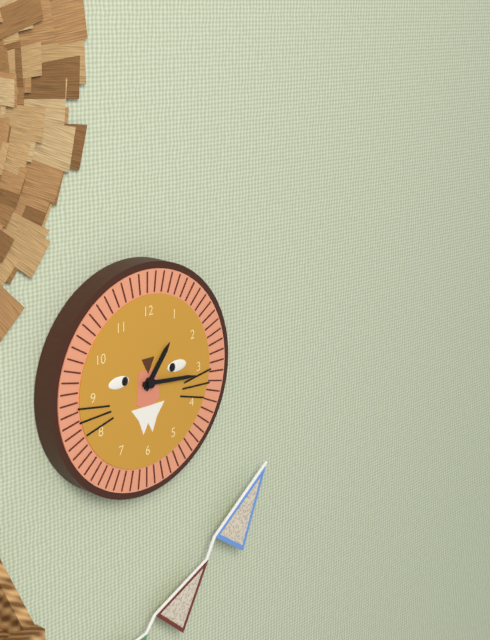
1:16
